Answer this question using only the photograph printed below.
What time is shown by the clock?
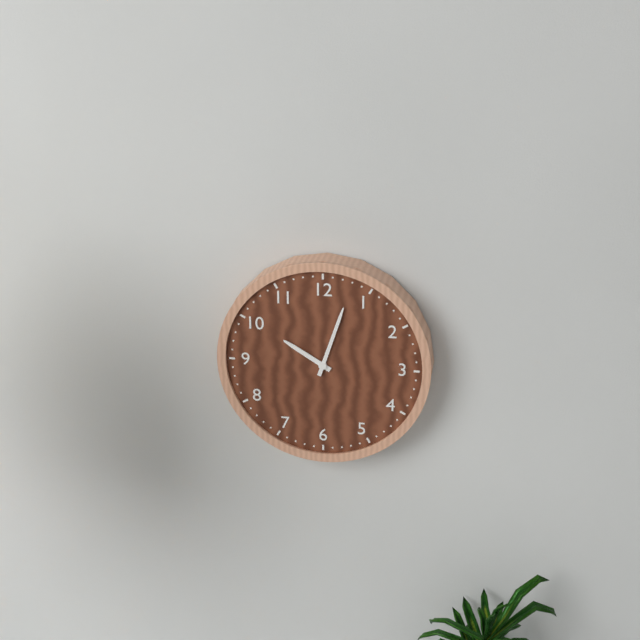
10:03
